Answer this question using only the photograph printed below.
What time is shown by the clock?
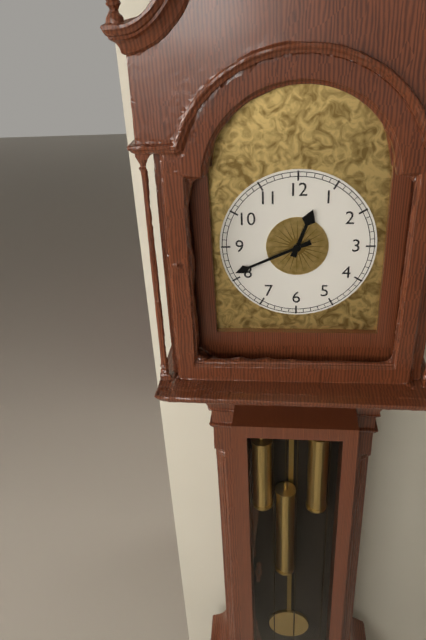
12:41
